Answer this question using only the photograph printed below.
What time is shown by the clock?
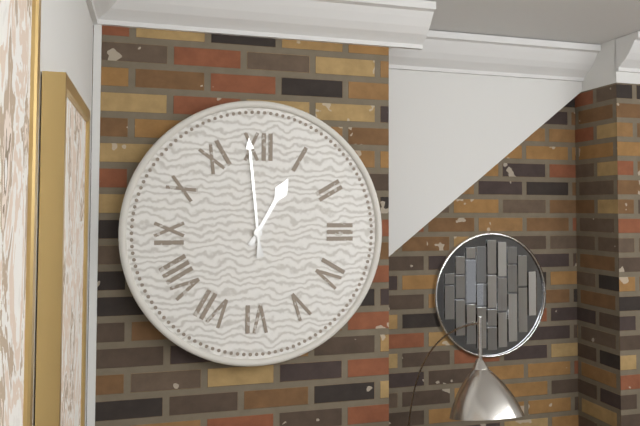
12:59
